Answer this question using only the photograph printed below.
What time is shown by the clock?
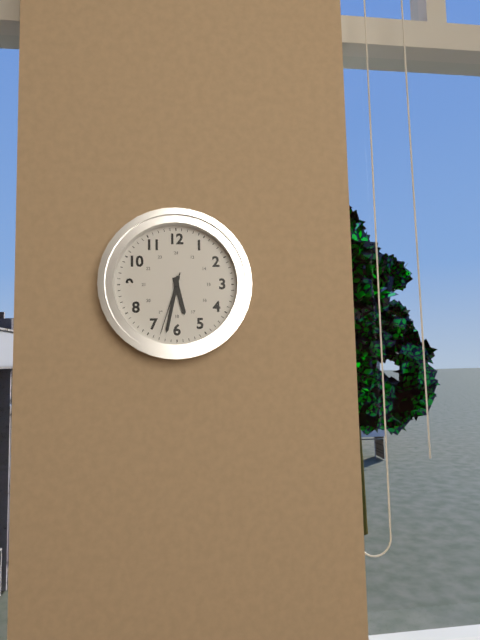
5:32:33
